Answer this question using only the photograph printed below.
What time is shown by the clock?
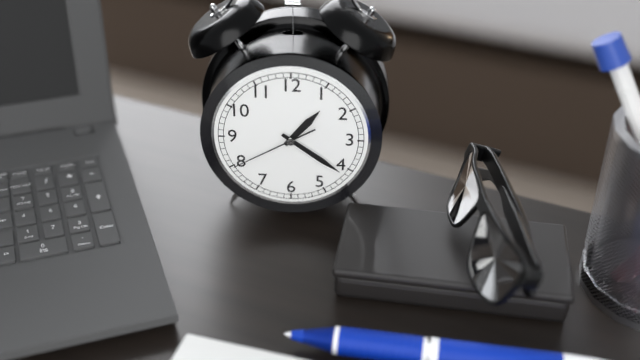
1:21:40
